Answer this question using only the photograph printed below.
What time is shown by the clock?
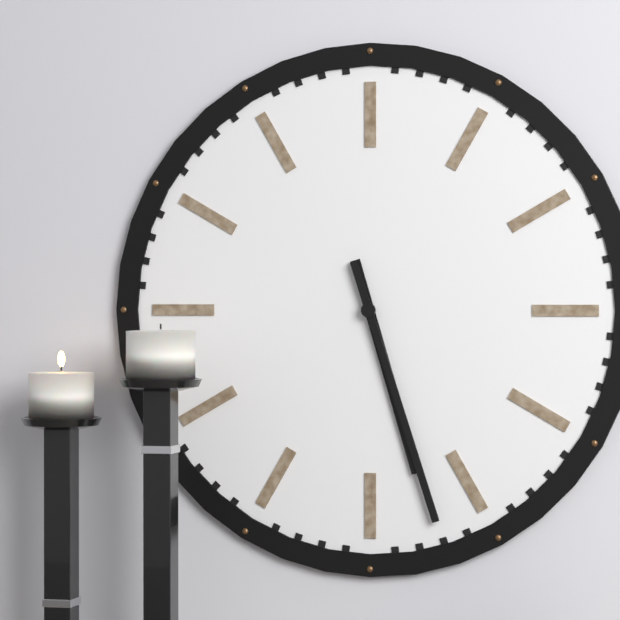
5:27
